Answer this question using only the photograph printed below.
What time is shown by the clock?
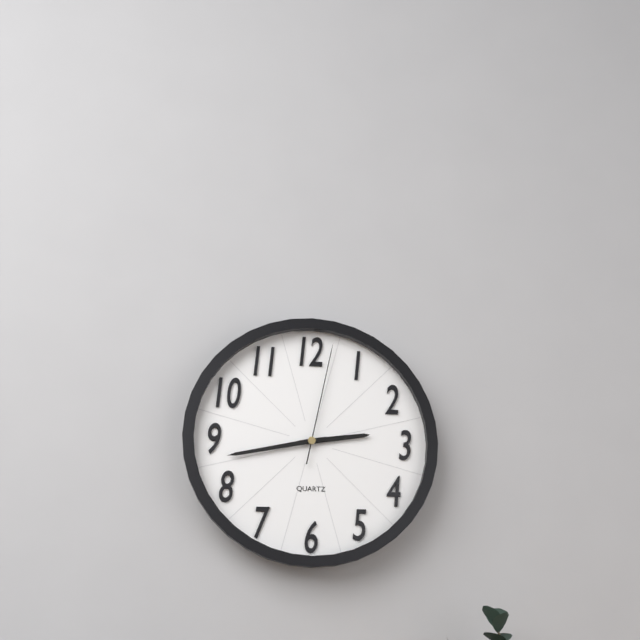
2:43:02
